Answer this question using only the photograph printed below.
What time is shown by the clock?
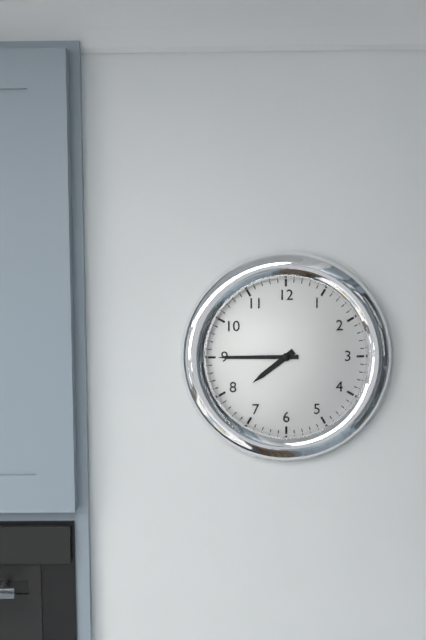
7:45
